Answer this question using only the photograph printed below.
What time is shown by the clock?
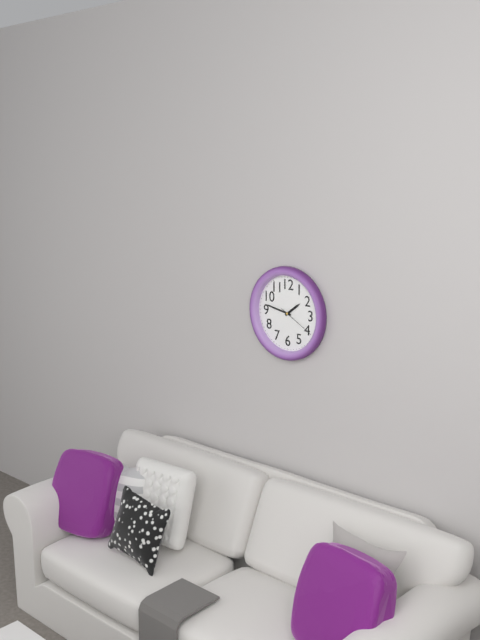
1:47
